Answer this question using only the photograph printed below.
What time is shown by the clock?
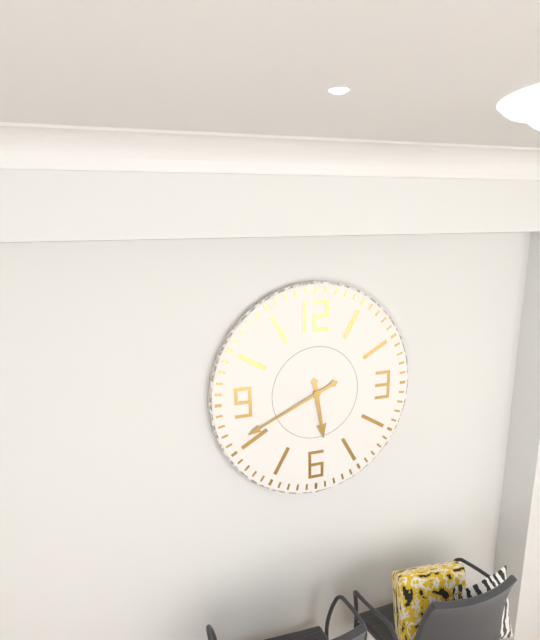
5:41
